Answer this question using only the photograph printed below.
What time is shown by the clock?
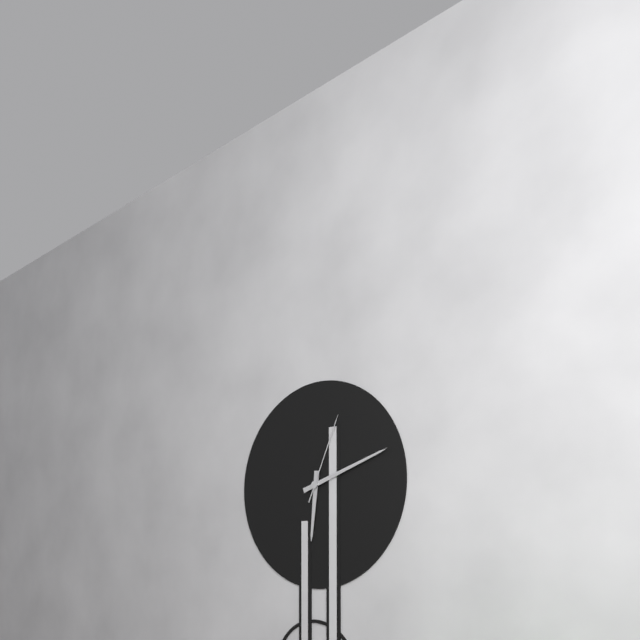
6:12:04
